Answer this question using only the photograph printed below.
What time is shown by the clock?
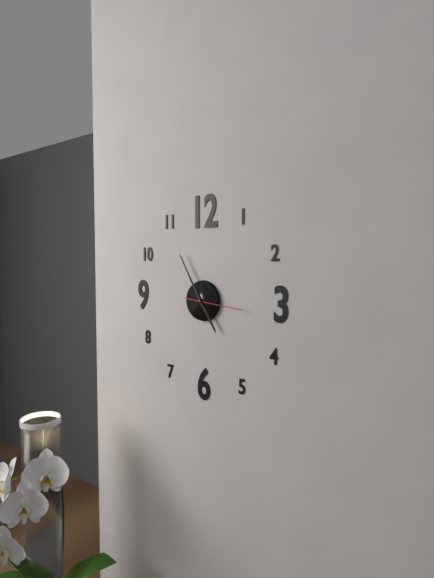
4:55
